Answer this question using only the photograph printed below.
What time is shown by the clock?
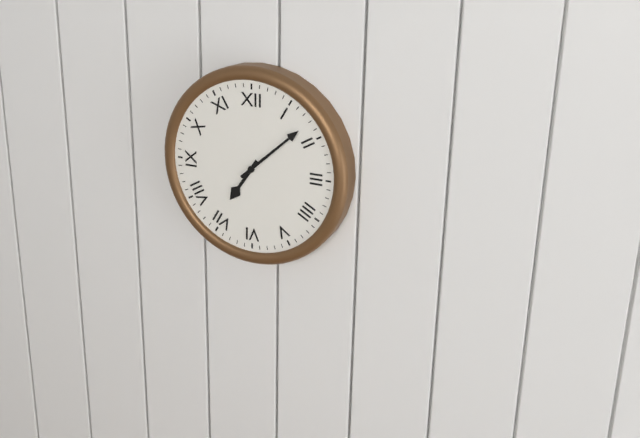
7:08
